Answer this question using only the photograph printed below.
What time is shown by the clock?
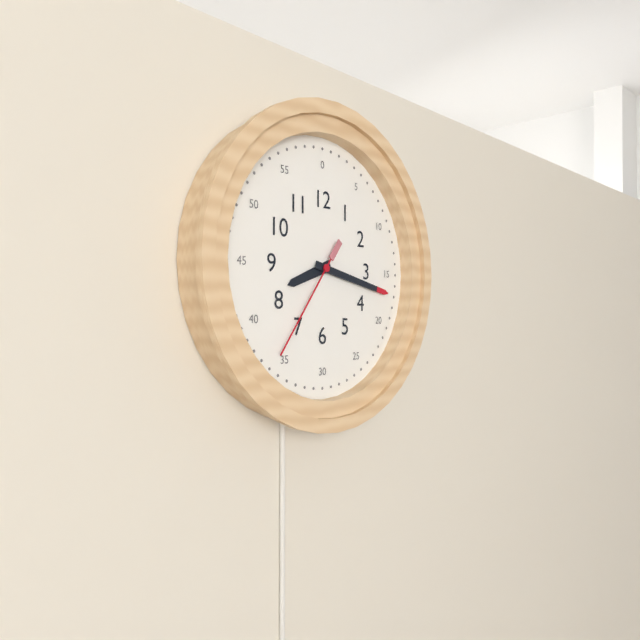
8:17:36
